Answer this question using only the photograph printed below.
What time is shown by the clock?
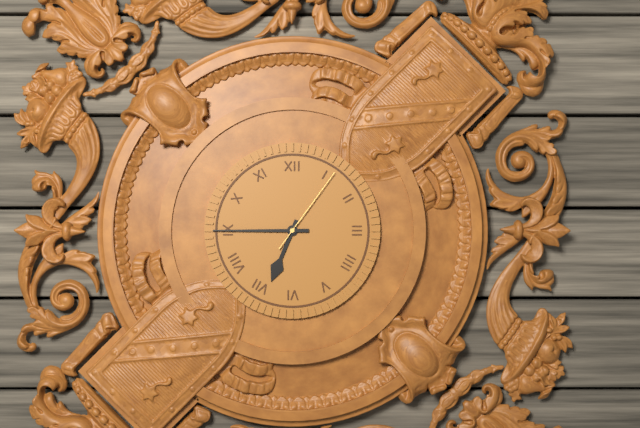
6:45:06
